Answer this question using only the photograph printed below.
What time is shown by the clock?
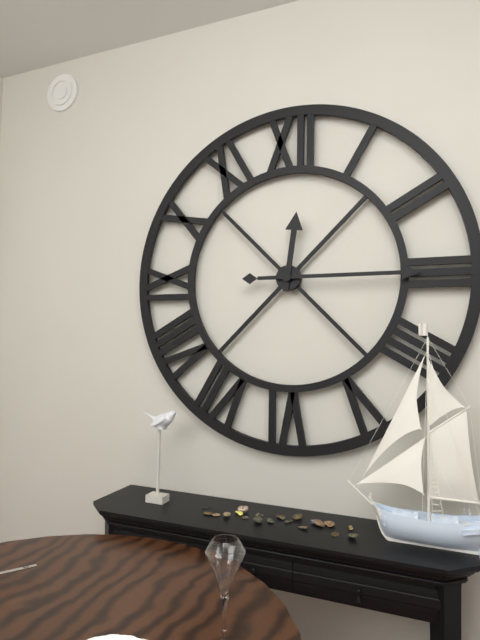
12:15
